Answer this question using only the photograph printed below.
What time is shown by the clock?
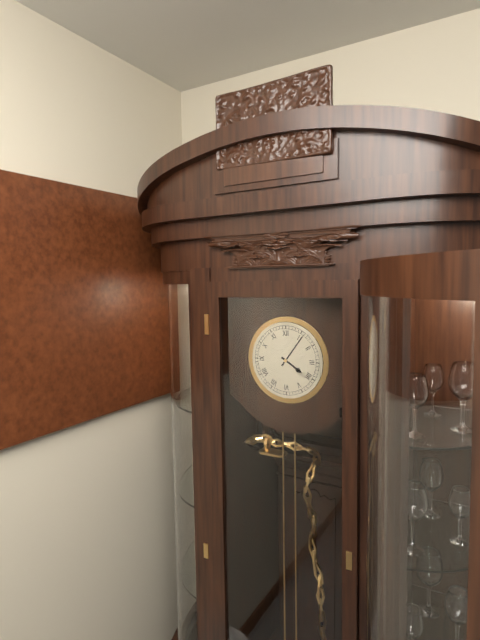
4:06
